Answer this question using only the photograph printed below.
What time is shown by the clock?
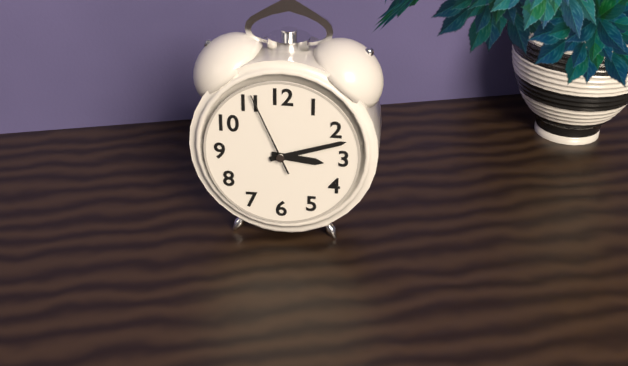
3:12:56
